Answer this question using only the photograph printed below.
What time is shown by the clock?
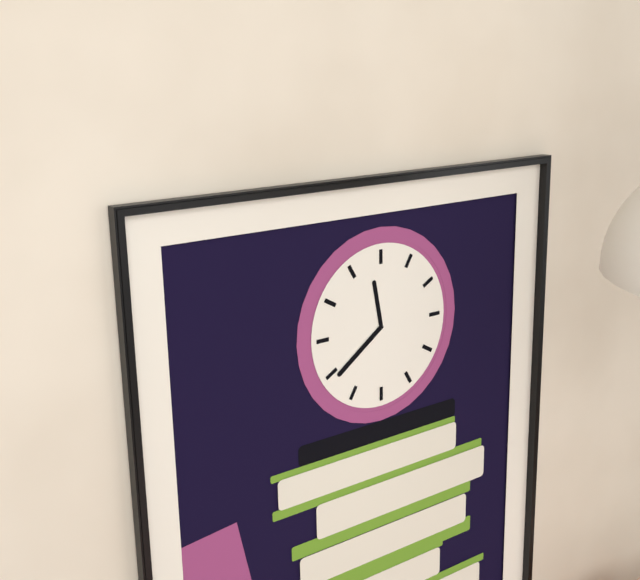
11:39
